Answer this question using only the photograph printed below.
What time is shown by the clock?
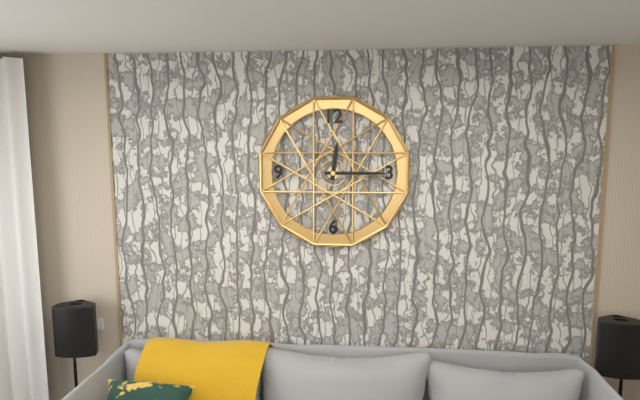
12:15
